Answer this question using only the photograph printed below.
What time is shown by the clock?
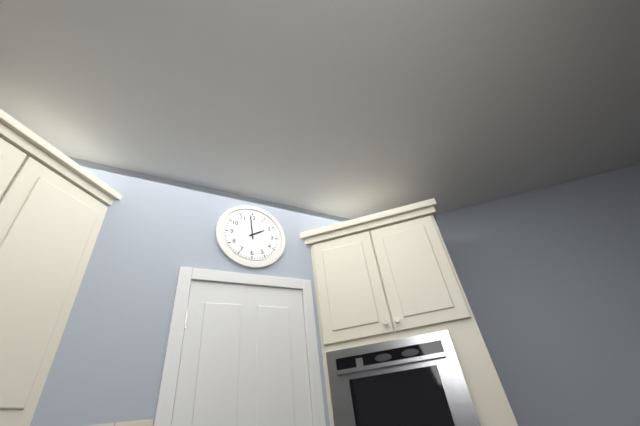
1:59
